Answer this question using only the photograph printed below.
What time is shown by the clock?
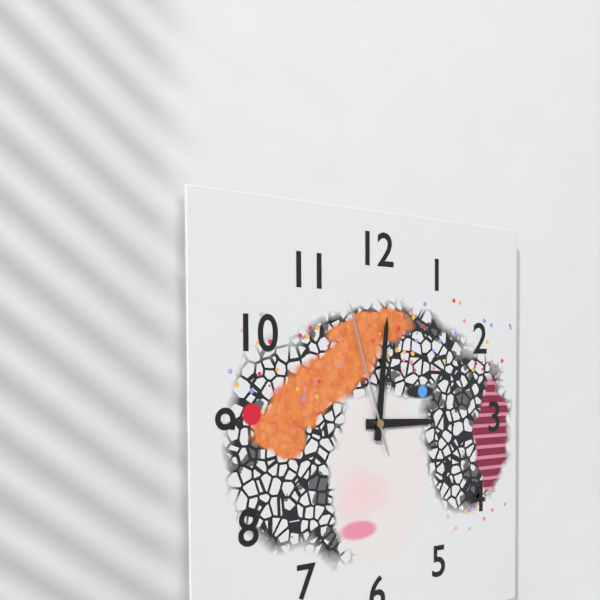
3:01:57
